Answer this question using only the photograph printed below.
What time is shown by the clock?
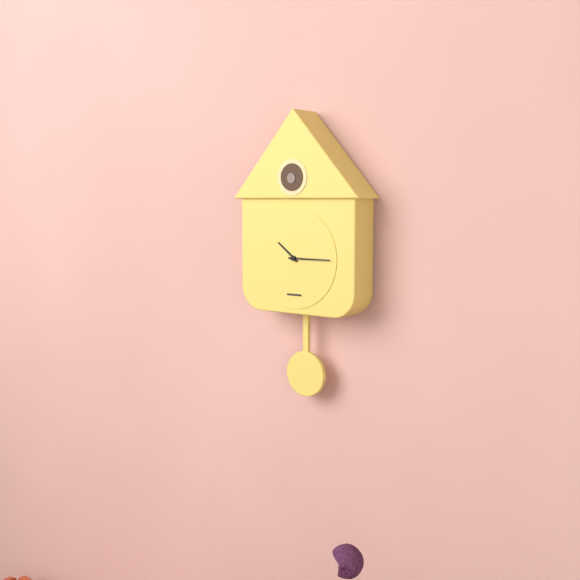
10:15
